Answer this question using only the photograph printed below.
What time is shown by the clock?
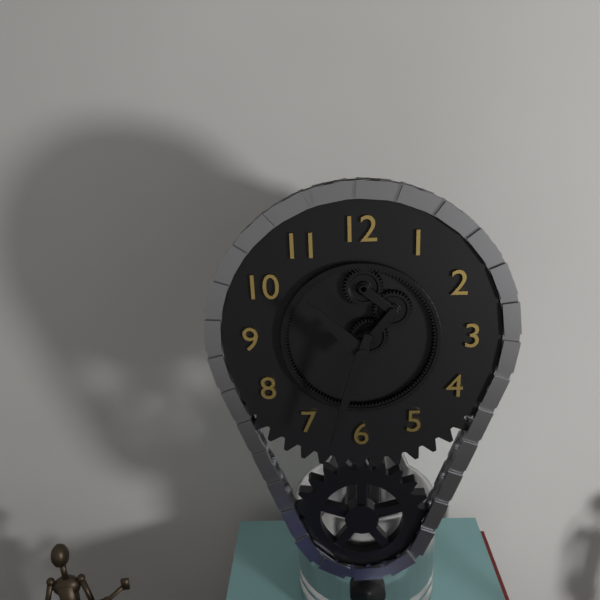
10:33
